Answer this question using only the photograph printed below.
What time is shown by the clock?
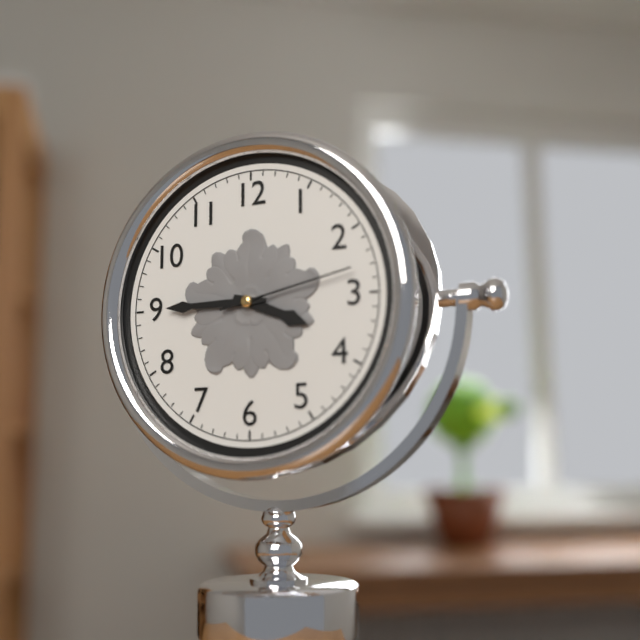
3:45:13
